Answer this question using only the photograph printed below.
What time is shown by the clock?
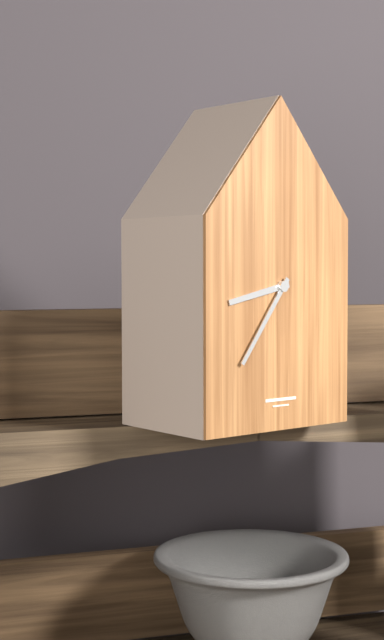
8:36
